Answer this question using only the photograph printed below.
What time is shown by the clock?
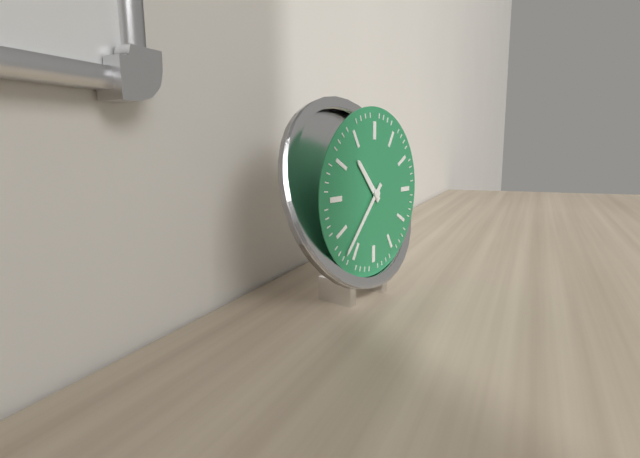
10:37
